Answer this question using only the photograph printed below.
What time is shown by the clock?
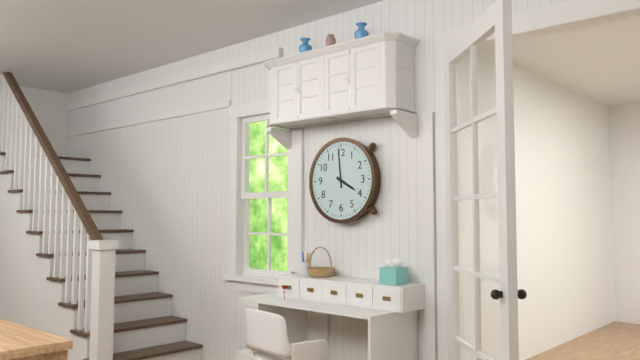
3:59
